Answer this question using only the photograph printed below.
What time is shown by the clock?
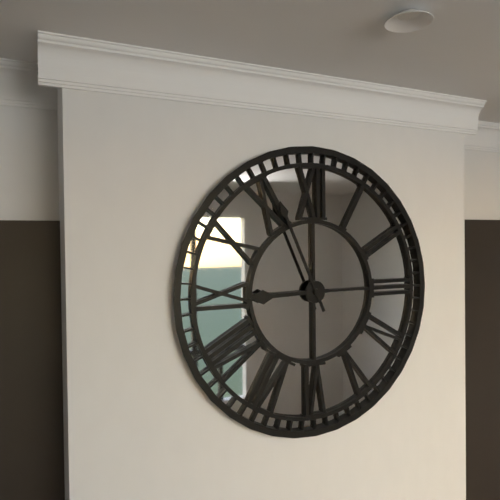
8:56
